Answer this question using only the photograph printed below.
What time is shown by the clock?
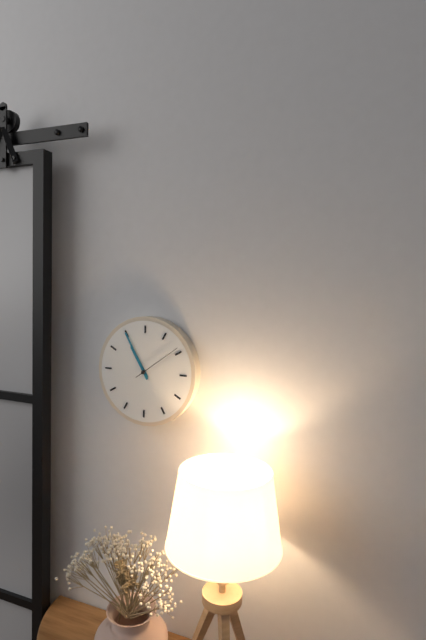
10:55:09
